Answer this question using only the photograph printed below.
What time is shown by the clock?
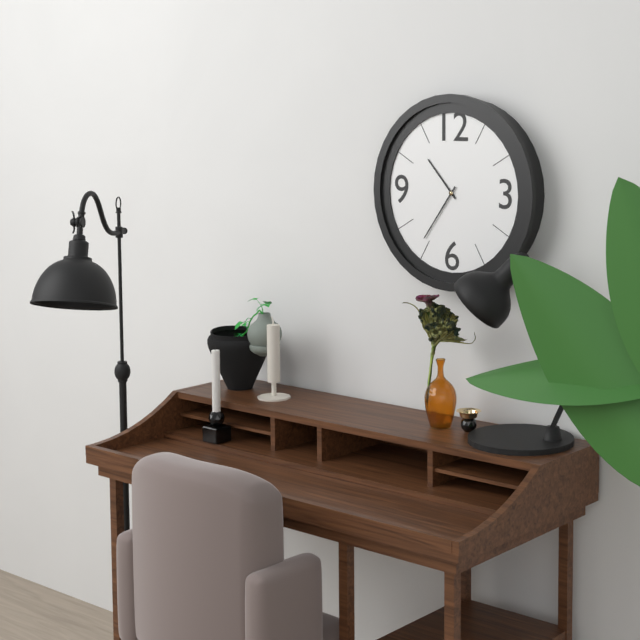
10:36
